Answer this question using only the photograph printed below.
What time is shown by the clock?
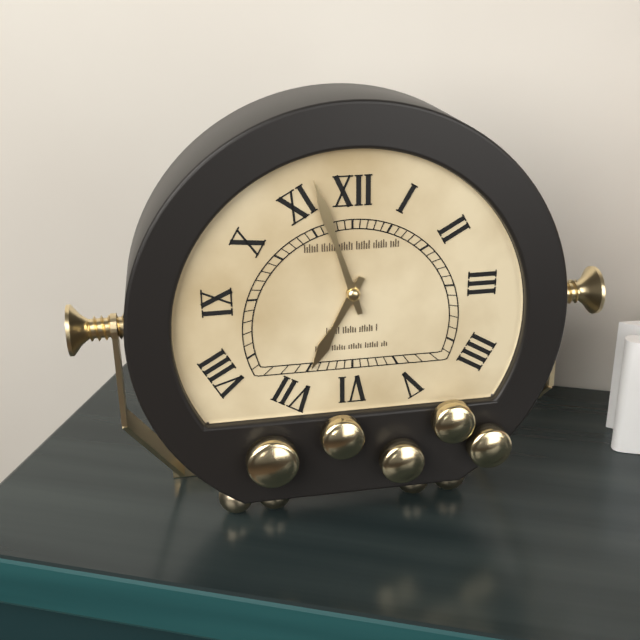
6:57
